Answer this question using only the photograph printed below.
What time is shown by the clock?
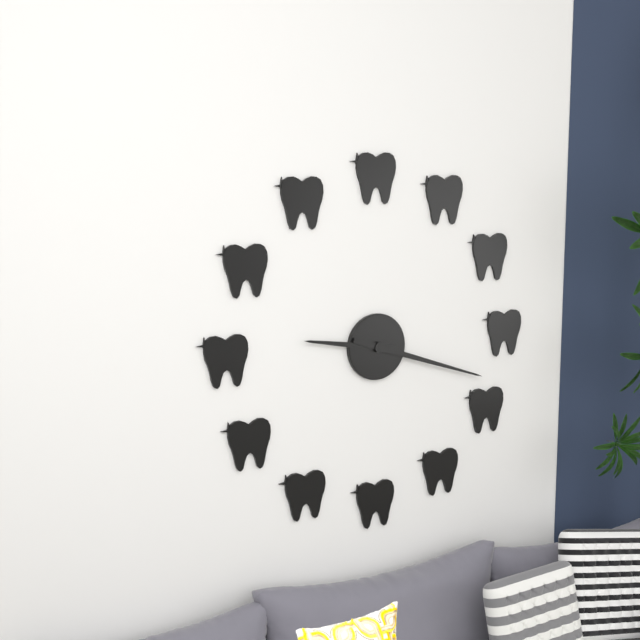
9:18
